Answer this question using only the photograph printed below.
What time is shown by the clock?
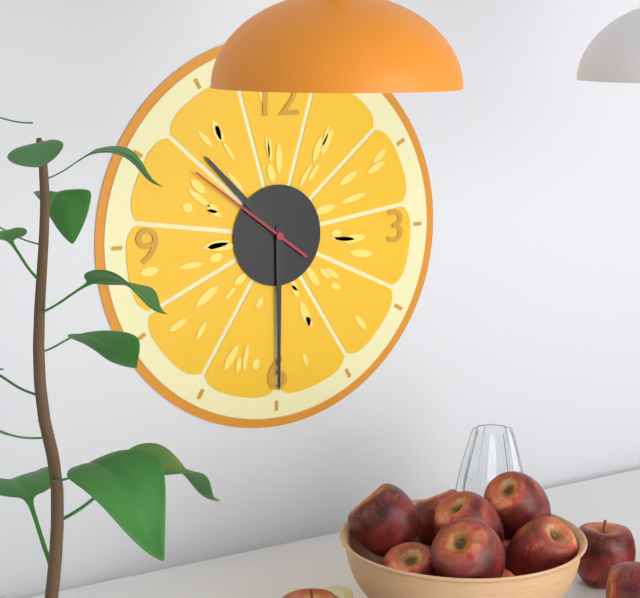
10:30:51
